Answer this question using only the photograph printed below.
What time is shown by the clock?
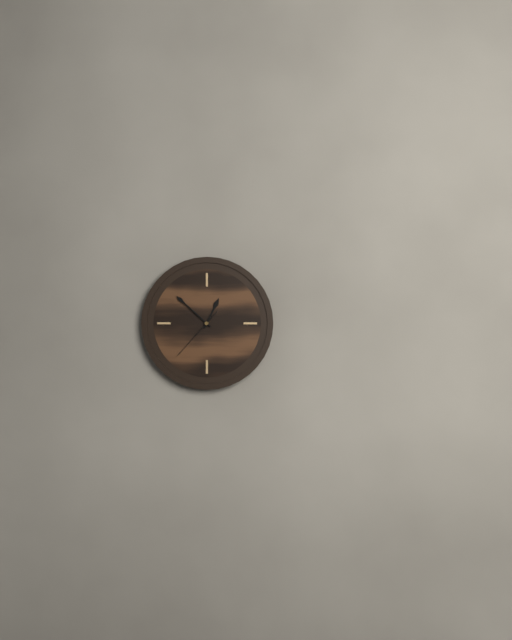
12:52:37
